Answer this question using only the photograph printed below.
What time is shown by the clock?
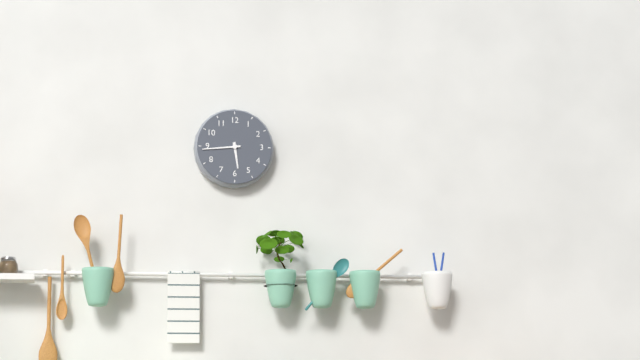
5:44
